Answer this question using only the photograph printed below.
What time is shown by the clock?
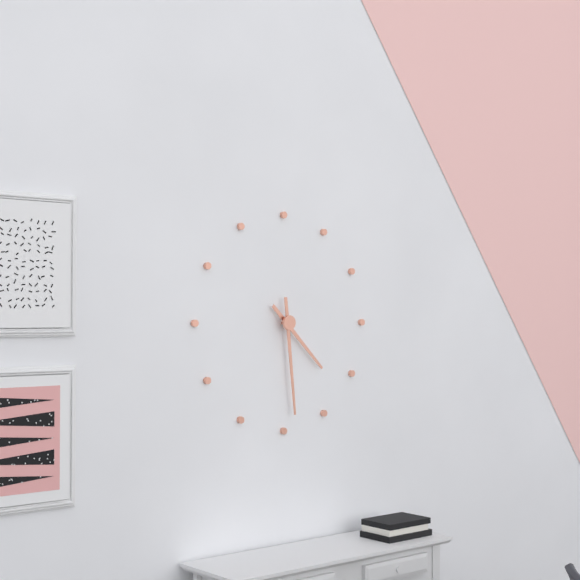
4:29
